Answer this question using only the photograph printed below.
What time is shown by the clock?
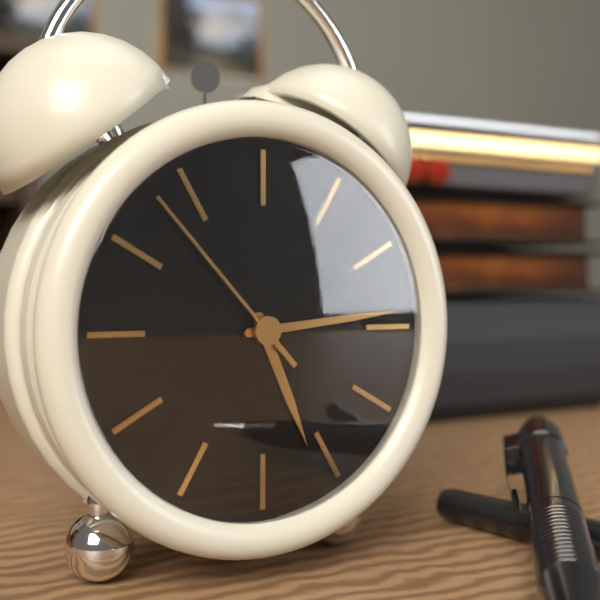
5:14:53
